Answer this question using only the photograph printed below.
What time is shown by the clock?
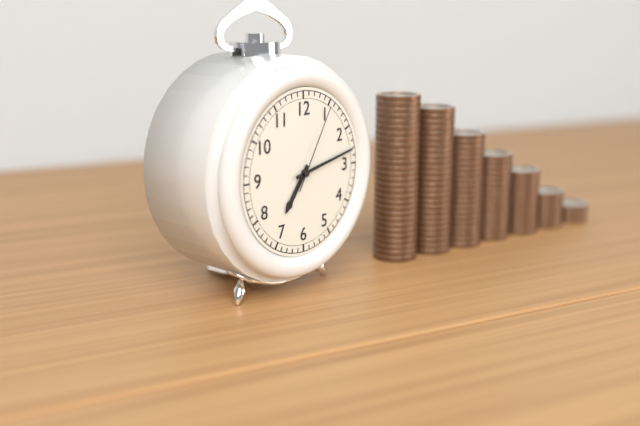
7:13:05
